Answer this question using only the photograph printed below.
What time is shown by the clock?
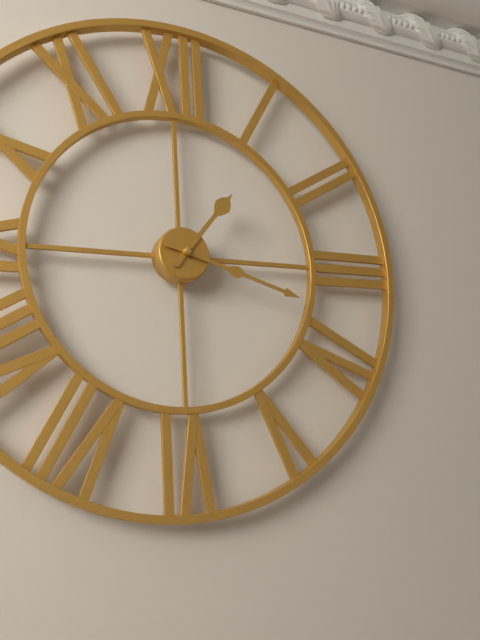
1:18
